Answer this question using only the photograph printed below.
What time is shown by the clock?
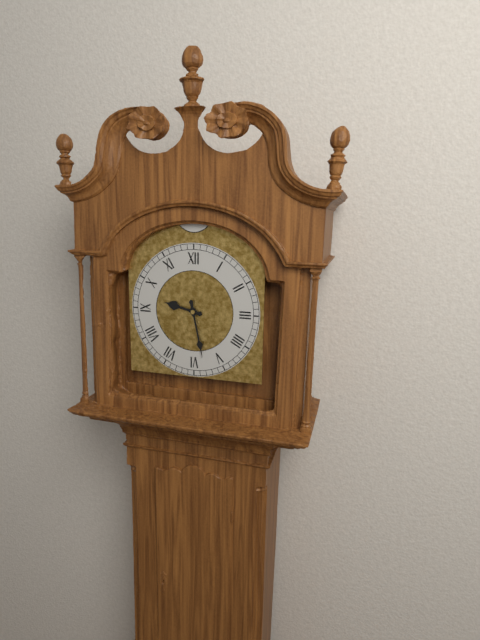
9:28
